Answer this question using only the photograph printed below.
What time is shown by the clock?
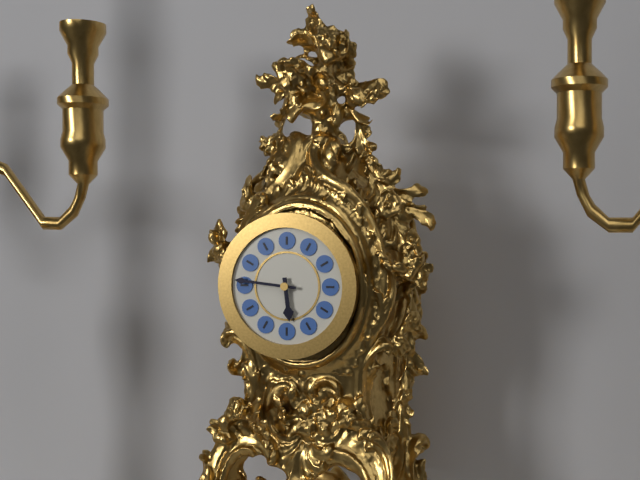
5:46
